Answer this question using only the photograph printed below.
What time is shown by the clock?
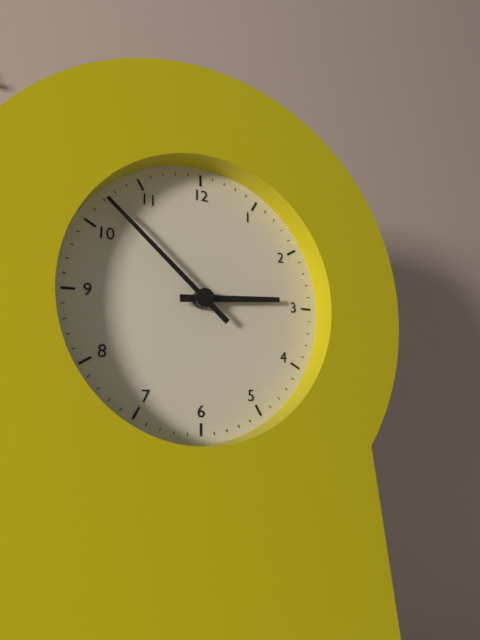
2:52
